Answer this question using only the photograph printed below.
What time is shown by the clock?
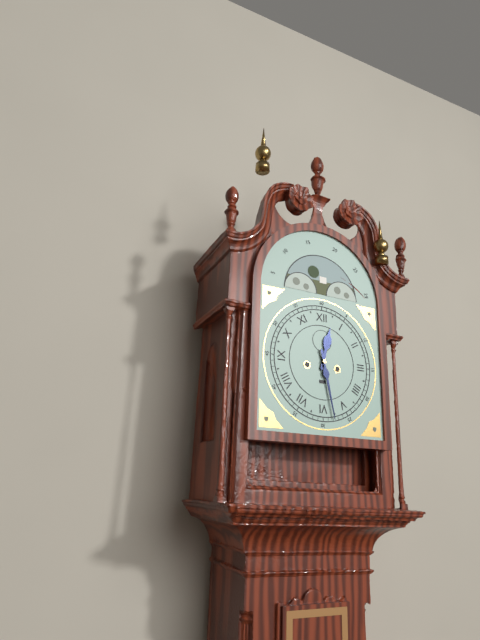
12:28
